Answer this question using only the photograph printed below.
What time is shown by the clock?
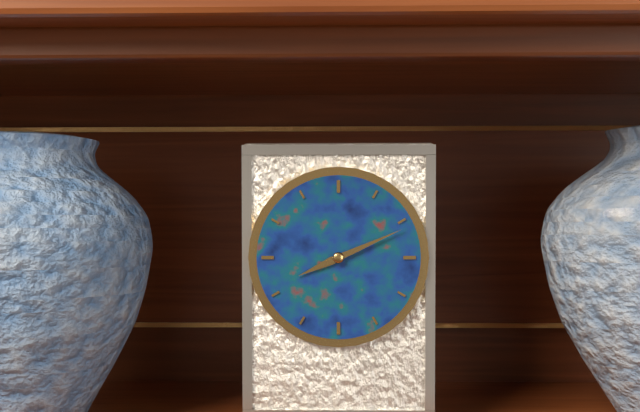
8:11
